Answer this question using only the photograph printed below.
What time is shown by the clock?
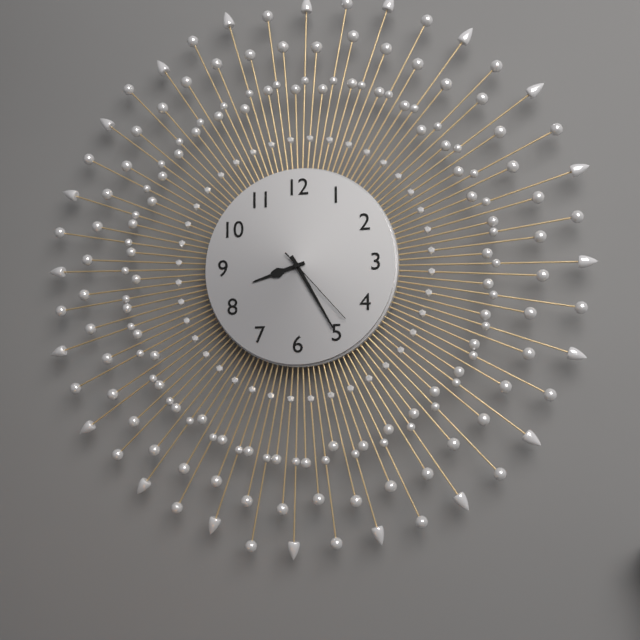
8:25:23
